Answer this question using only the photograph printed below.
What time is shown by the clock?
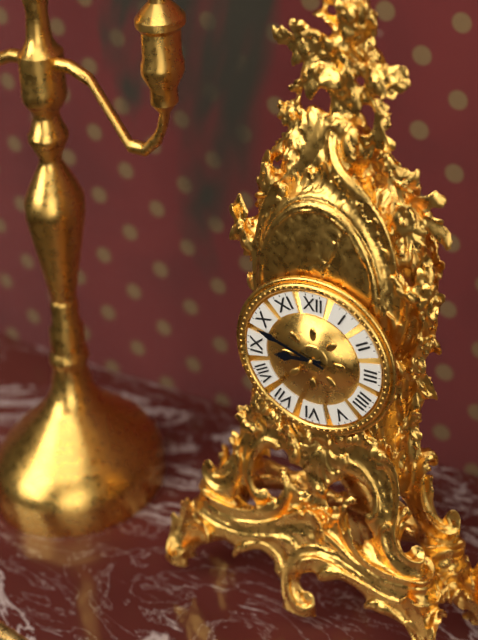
8:48
